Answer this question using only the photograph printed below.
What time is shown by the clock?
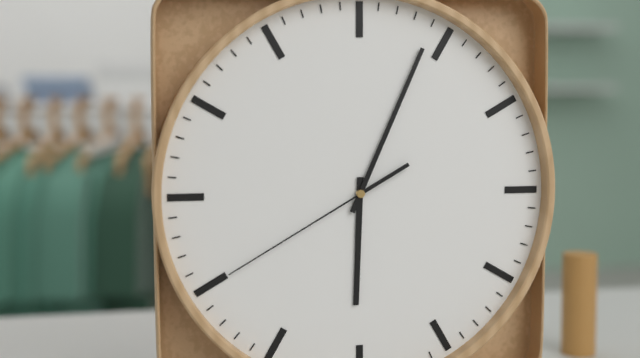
6:04:40
